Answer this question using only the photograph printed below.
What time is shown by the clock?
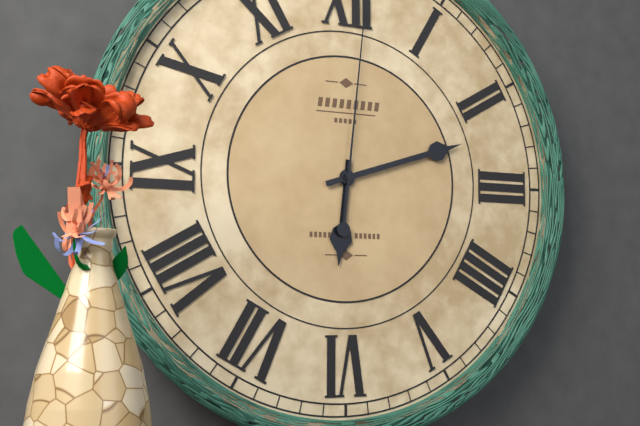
6:12:01
